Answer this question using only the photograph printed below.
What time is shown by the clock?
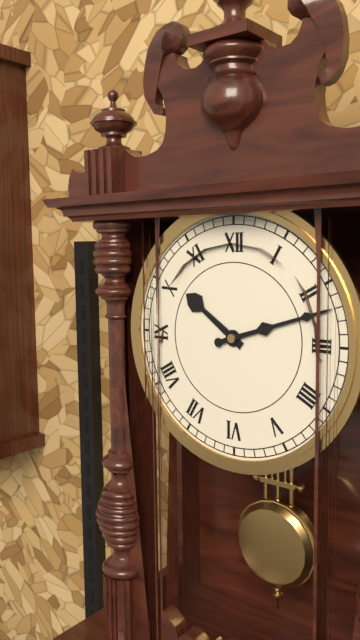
10:12
